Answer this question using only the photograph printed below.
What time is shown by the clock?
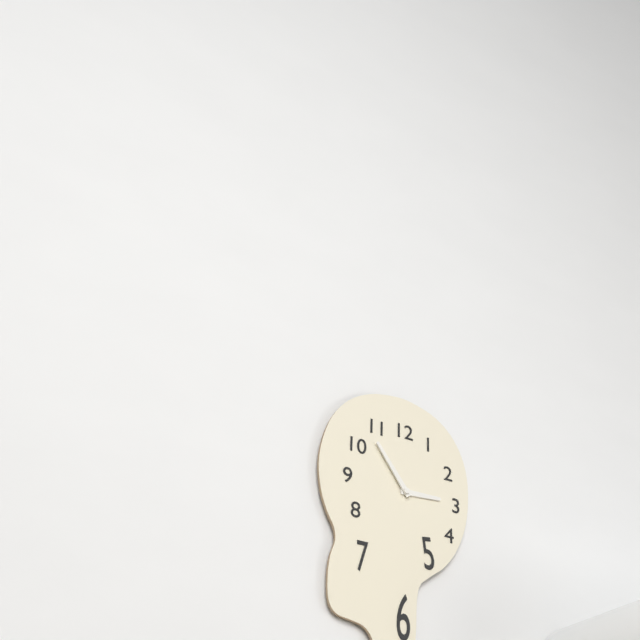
2:54
